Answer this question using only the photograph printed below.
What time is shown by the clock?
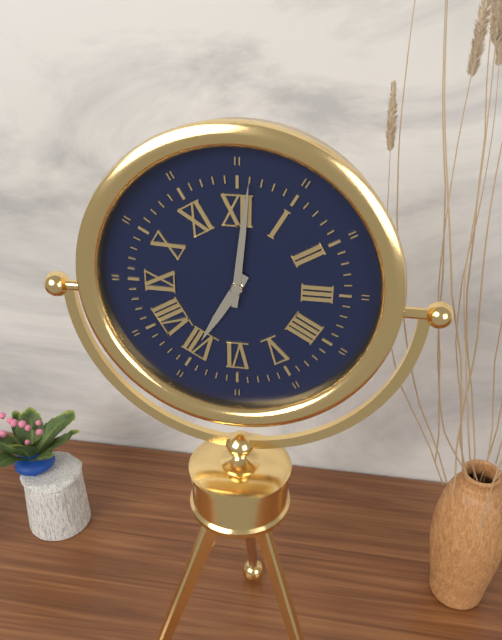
7:01
